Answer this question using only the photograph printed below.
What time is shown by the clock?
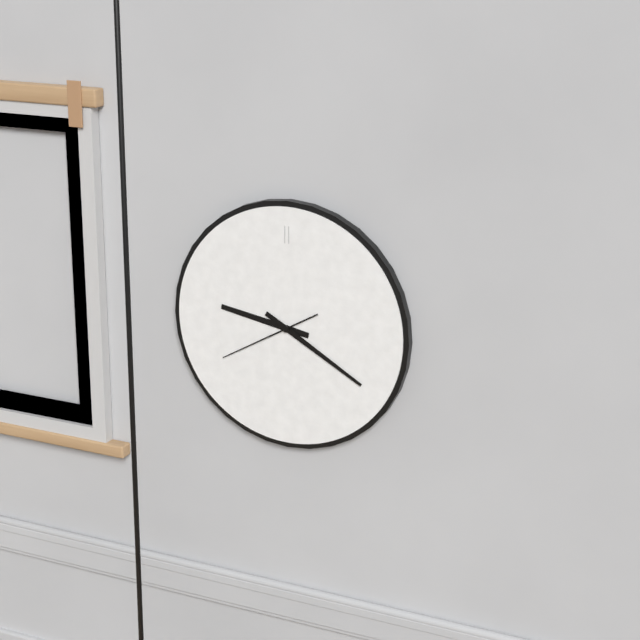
9:20:40
